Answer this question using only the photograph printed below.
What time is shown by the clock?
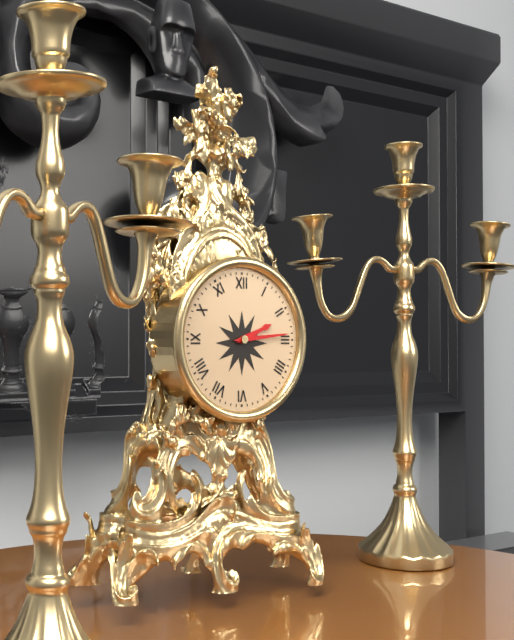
2:14
